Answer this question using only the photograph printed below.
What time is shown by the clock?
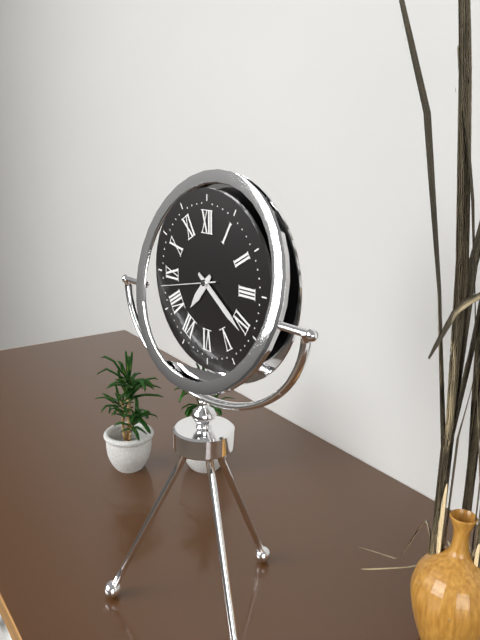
7:21:43
